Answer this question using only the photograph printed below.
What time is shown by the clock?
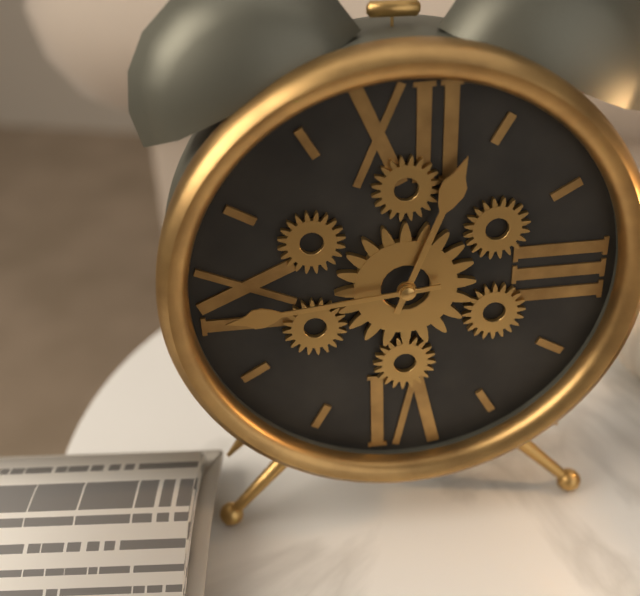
12:44
